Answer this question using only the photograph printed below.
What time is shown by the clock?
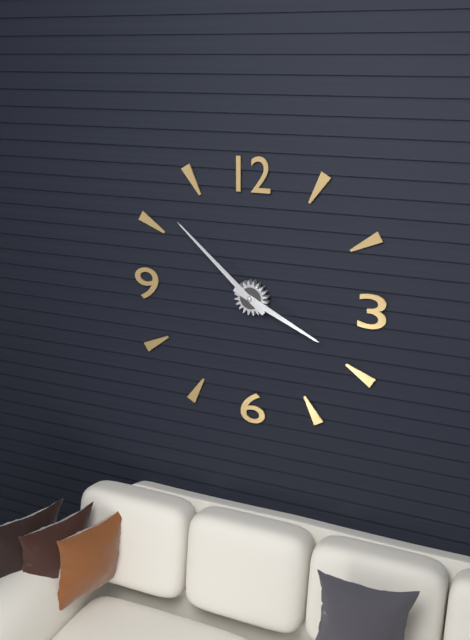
3:52
